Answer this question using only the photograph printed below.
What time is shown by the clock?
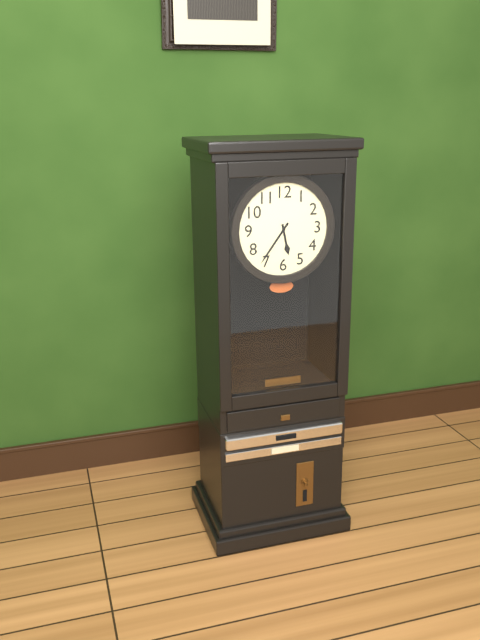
5:36
